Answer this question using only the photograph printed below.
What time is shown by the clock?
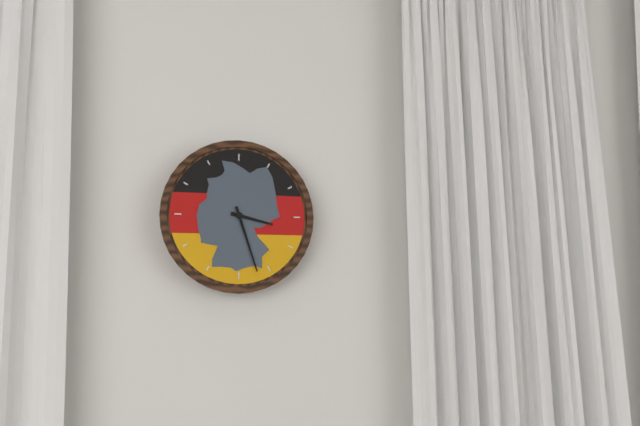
3:27
